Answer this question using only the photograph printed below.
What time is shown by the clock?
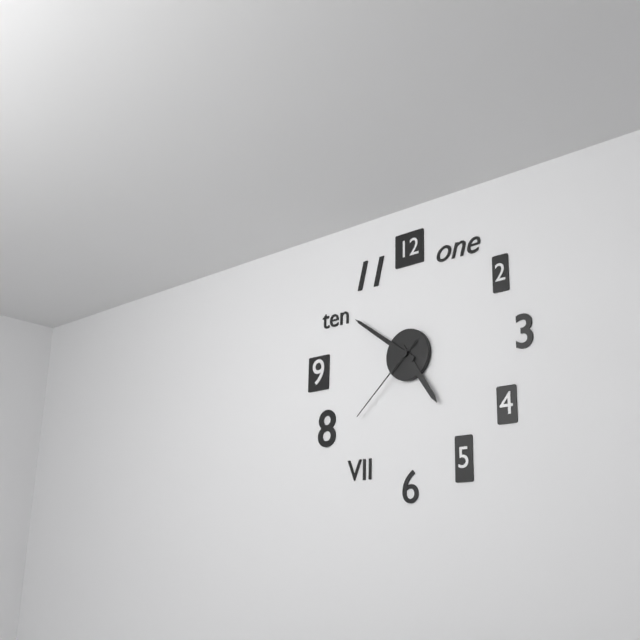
4:51:38
